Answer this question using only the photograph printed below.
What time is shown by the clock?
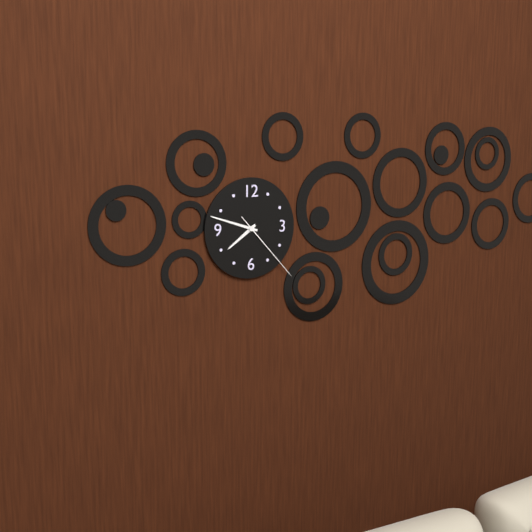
7:48:23
